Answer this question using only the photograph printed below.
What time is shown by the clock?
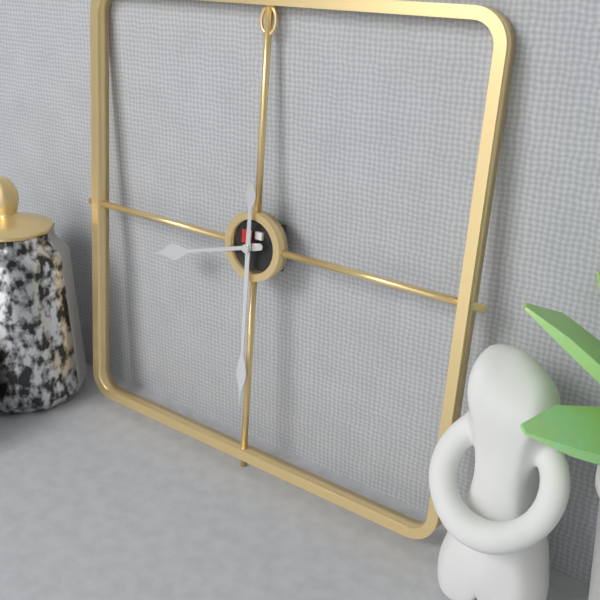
8:30
